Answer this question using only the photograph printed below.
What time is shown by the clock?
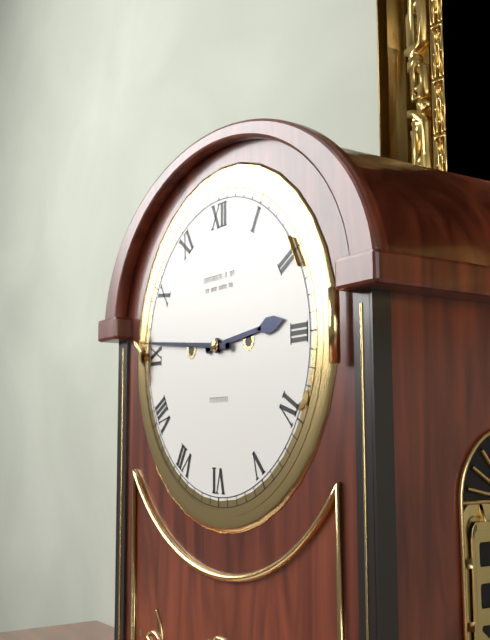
2:46
